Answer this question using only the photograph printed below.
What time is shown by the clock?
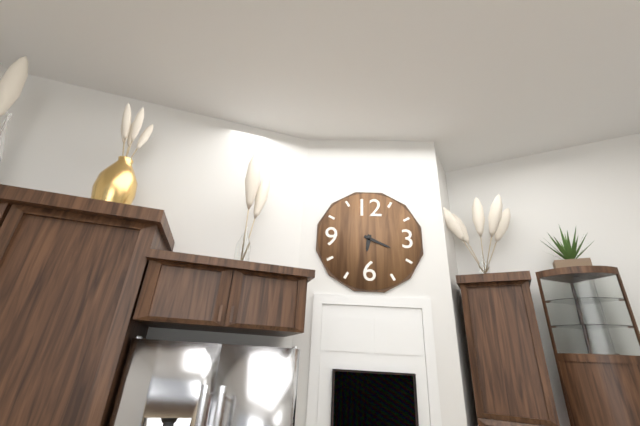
6:19
